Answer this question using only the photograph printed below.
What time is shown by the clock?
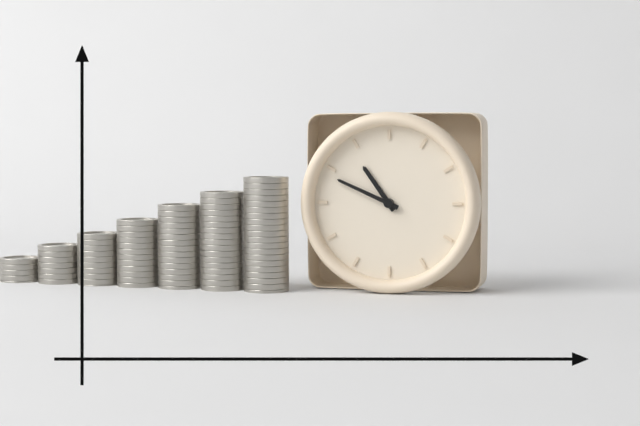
10:49
